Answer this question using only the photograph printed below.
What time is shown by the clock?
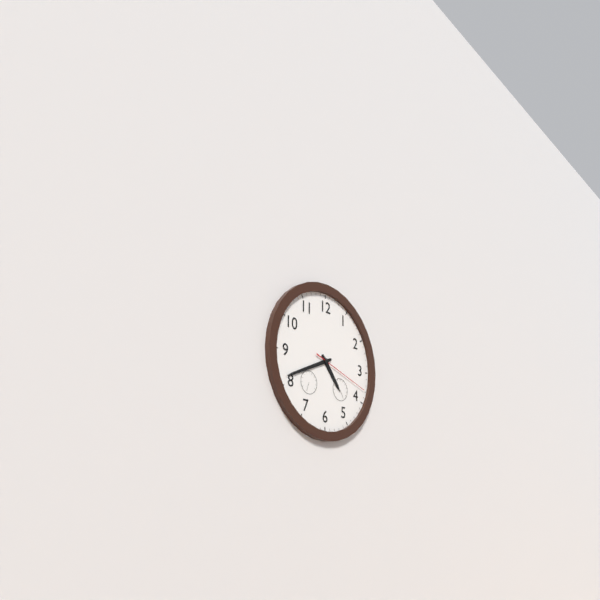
4:41:18
